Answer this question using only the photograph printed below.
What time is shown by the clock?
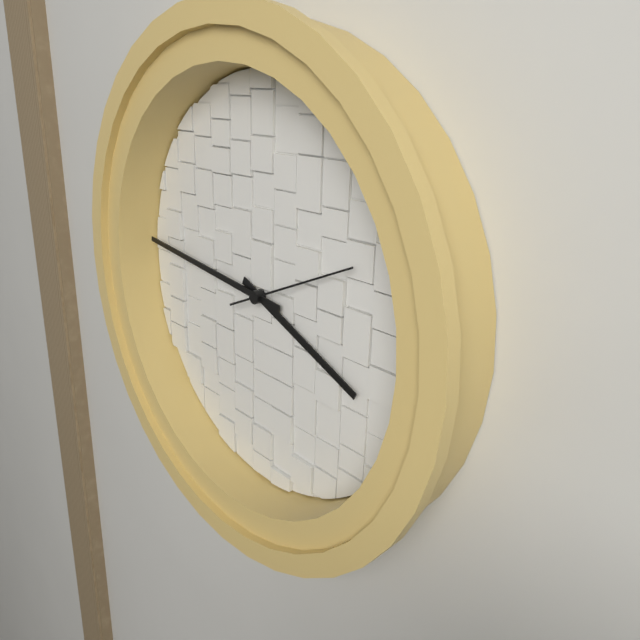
3:46:11
